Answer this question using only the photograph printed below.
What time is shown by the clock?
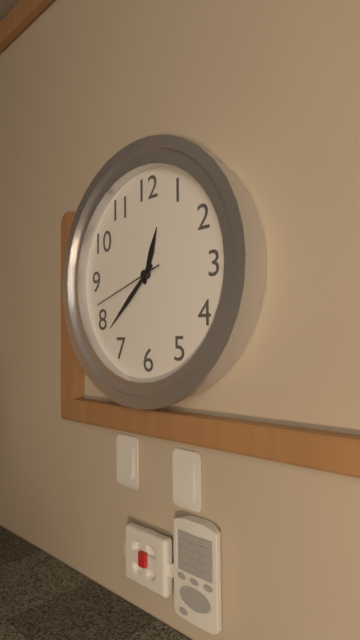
12:38:42
